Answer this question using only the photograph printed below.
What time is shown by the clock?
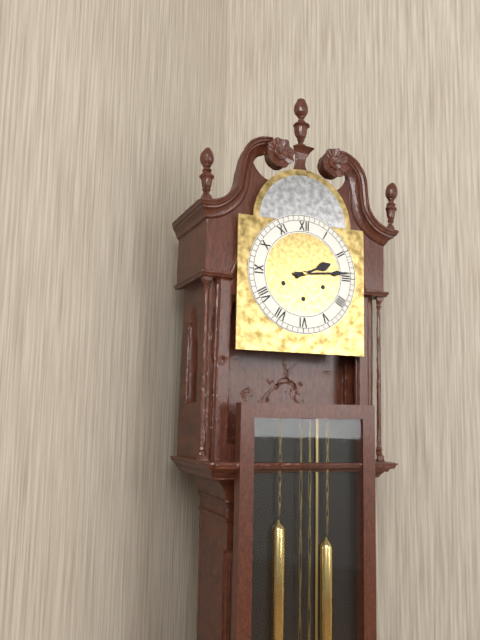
2:14
